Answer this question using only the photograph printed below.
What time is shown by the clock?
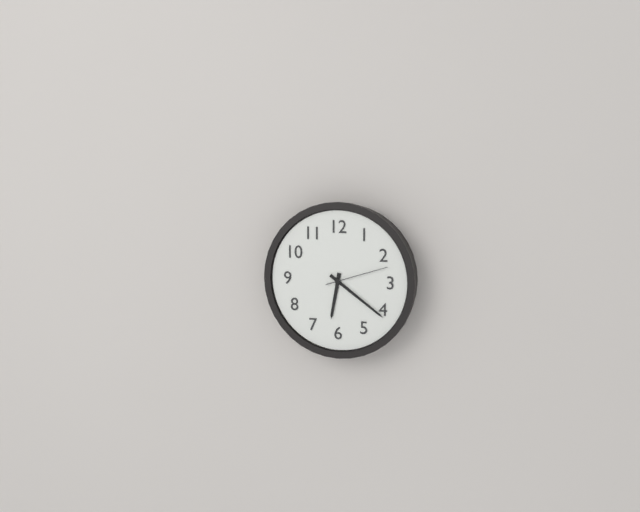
6:21:12
